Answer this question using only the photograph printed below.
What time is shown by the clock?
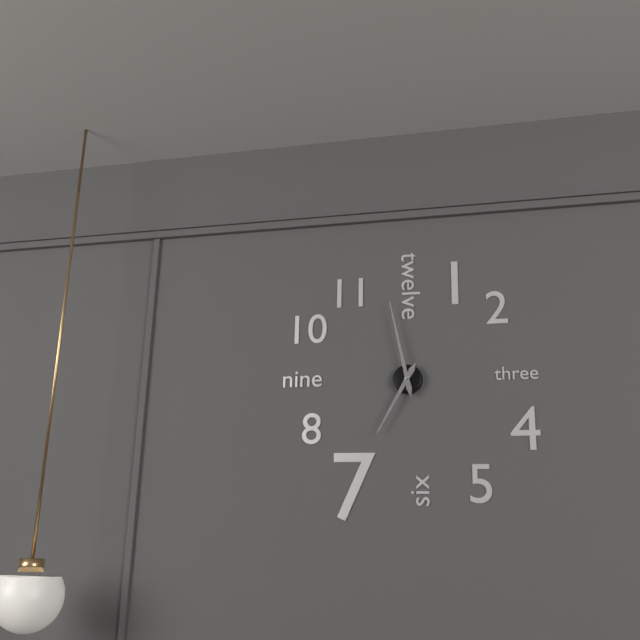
6:58
